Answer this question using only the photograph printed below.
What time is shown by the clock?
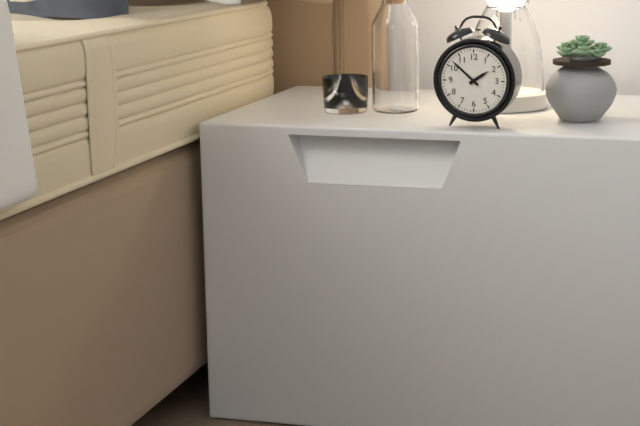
1:52
